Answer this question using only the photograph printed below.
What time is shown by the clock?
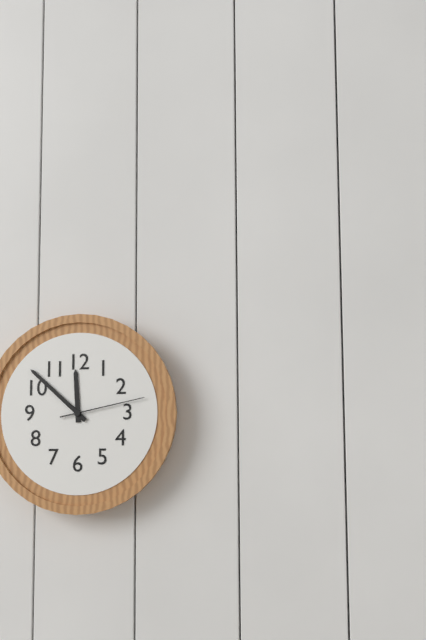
11:52:13
